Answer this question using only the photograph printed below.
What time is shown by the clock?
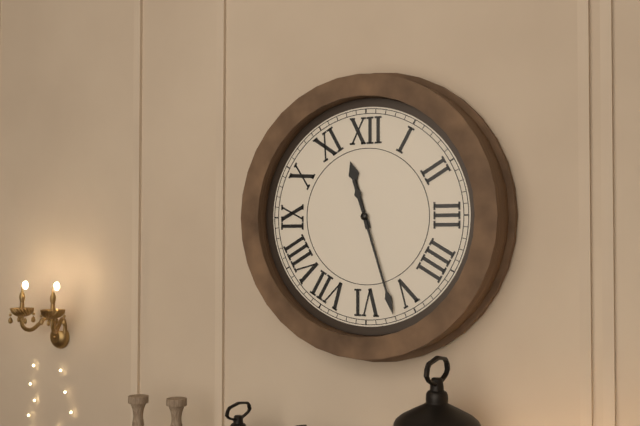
11:27
